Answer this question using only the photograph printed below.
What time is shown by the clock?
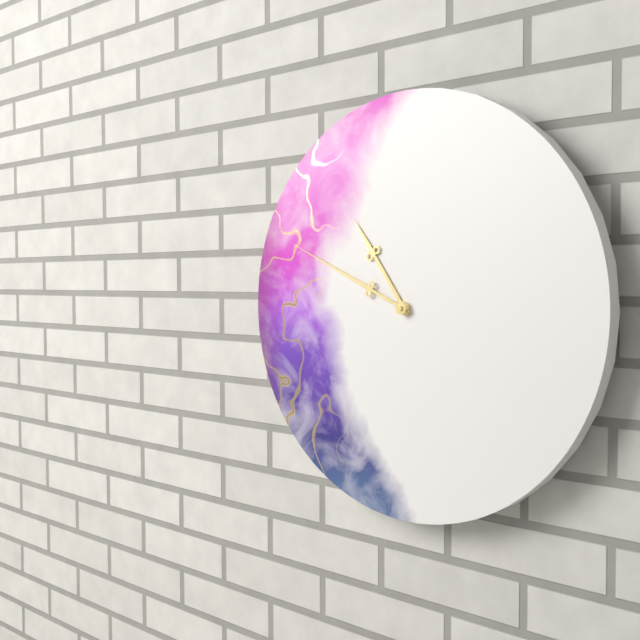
10:49
